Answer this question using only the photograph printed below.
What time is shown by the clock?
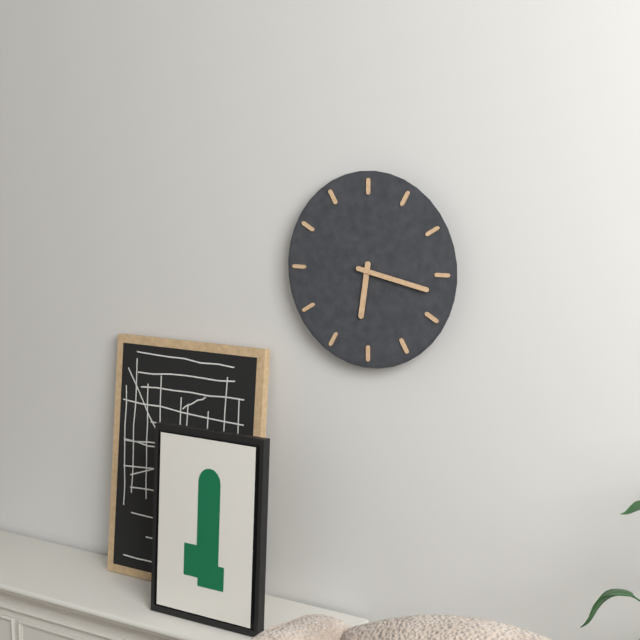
6:17
